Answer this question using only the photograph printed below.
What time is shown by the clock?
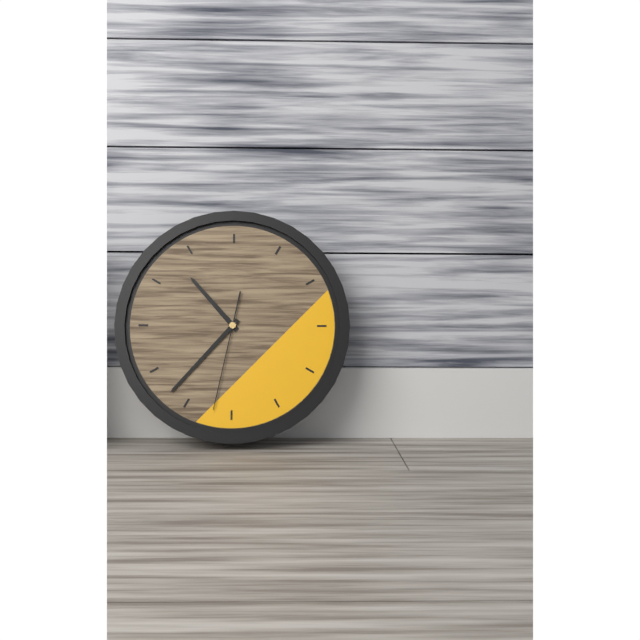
10:37:32
